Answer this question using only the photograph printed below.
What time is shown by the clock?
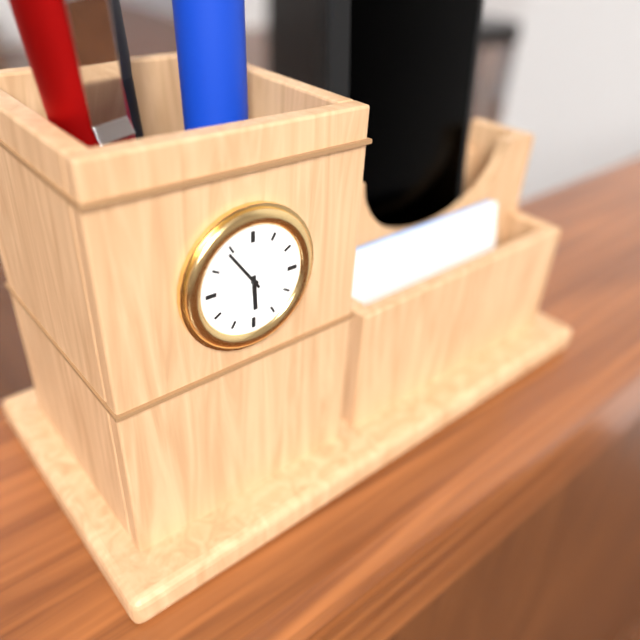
5:54
